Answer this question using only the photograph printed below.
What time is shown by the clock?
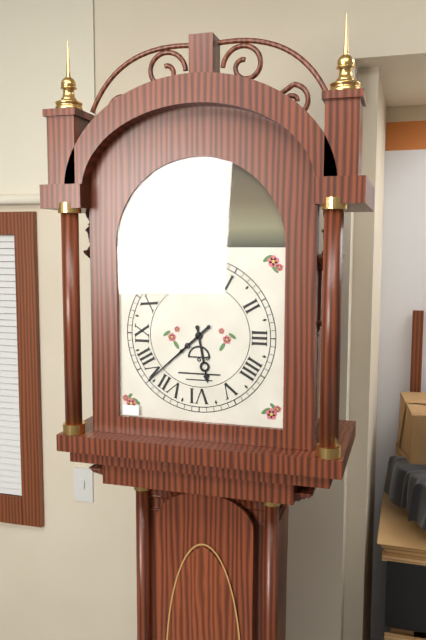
5:38
